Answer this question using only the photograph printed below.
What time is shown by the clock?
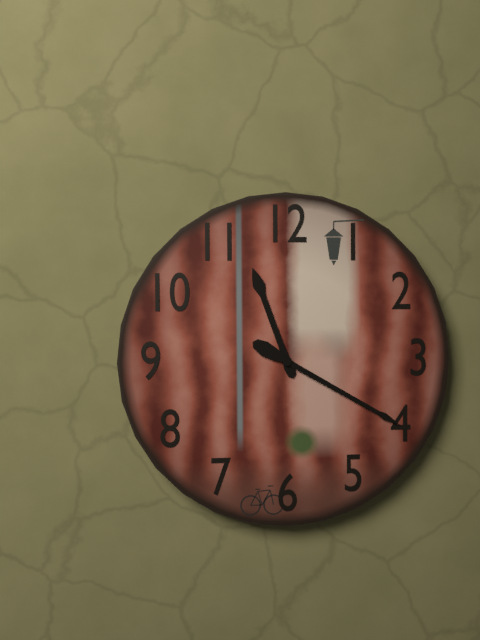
11:20
